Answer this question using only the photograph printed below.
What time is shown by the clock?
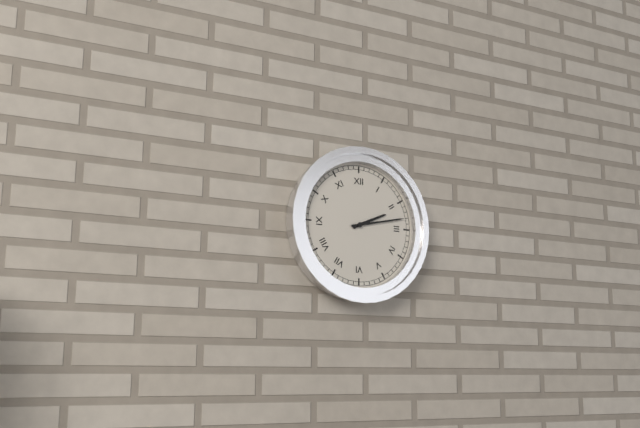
2:13
